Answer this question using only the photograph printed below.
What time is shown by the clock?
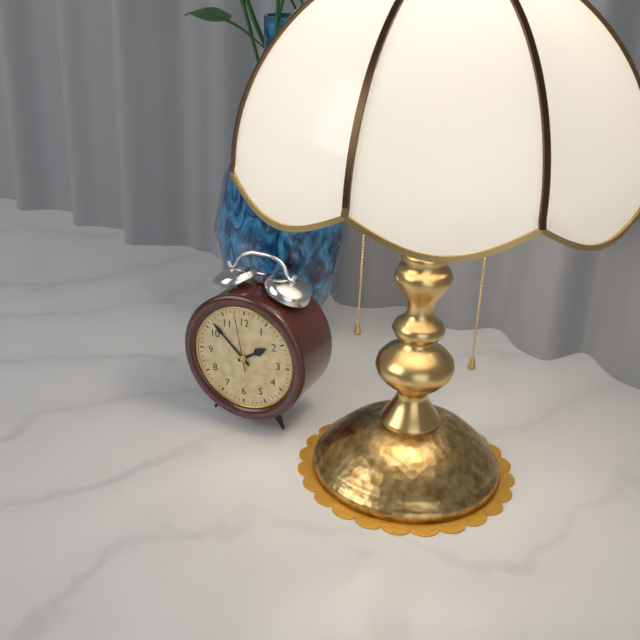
1:52:58
